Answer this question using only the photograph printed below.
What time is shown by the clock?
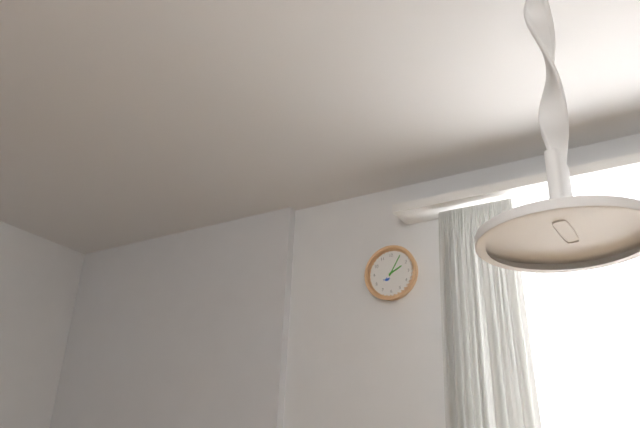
2:05
